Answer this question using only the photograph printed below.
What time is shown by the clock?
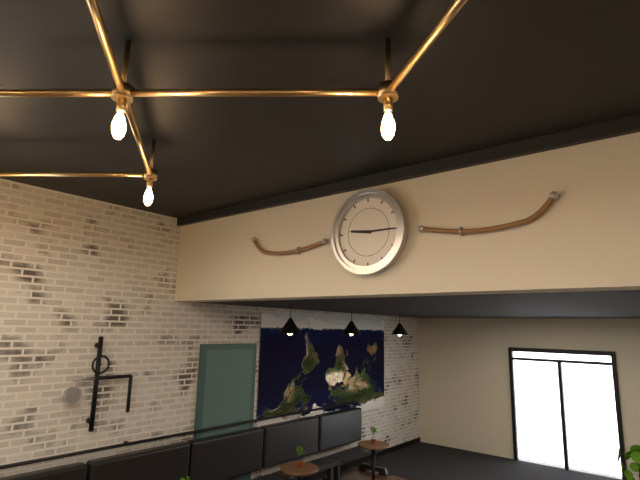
9:15
